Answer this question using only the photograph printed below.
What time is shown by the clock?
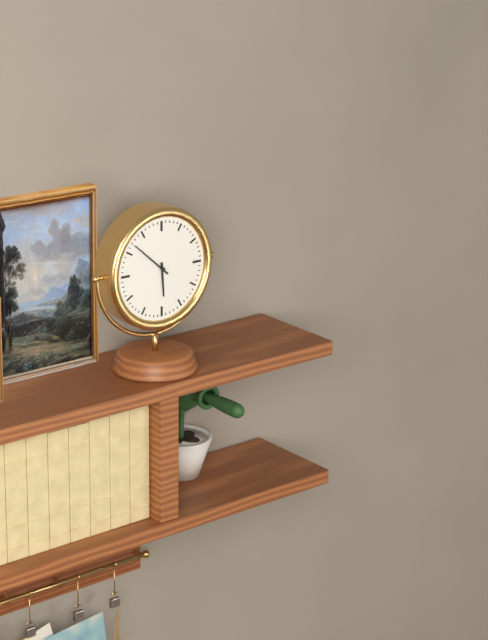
5:52
